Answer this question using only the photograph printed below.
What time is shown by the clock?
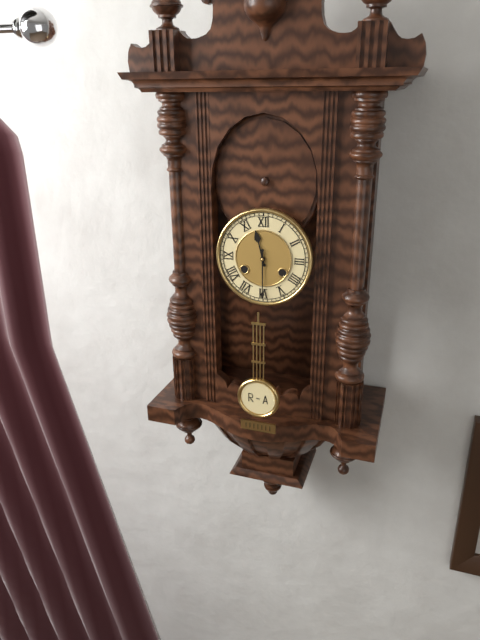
11:30
